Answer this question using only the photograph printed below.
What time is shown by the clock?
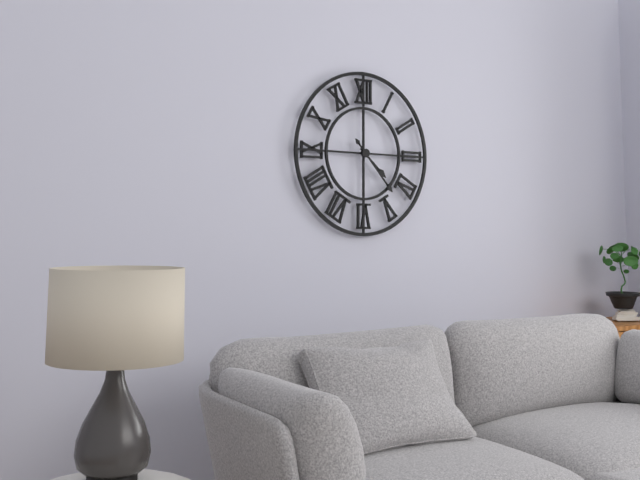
4:23
